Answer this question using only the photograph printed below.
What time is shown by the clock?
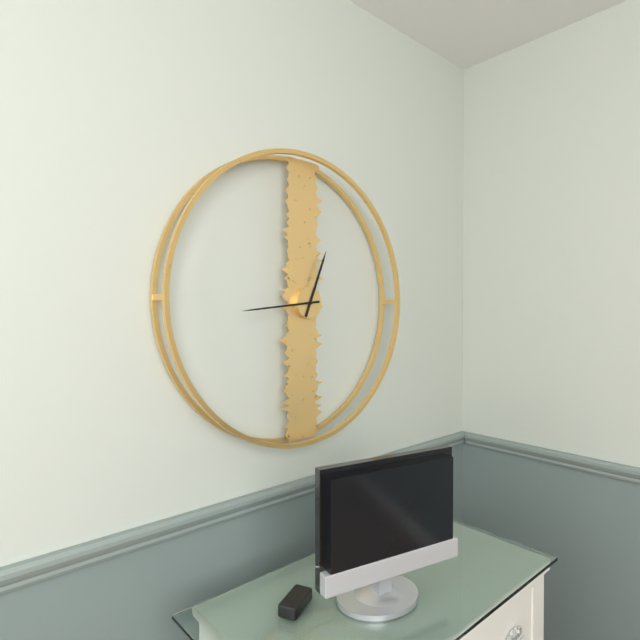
12:44
